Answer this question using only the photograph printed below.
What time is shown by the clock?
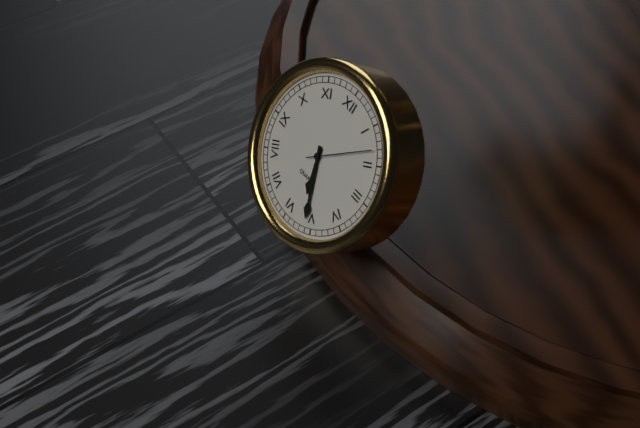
5:26:08
